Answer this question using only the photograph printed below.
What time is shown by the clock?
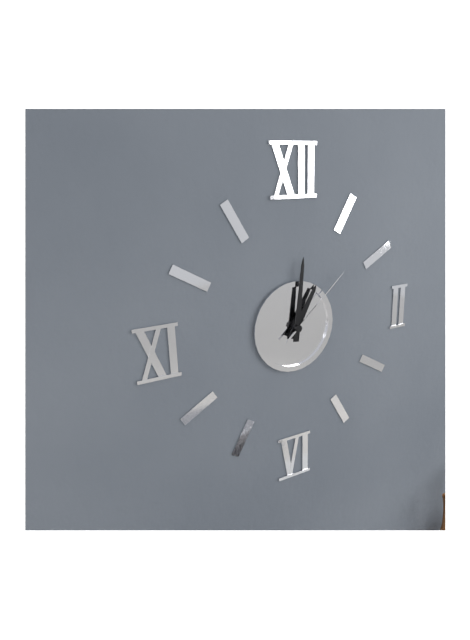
1:01:08
